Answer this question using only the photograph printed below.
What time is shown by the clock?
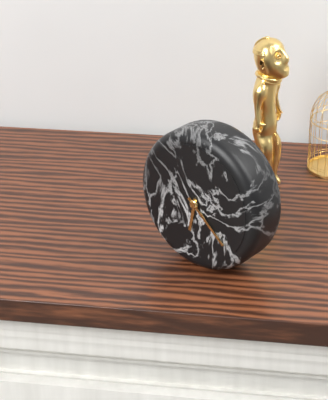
6:22
